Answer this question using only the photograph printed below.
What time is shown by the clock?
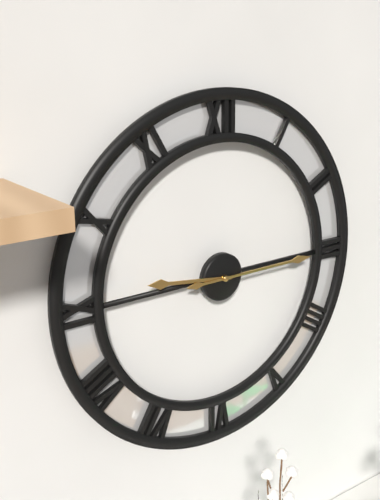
9:15
